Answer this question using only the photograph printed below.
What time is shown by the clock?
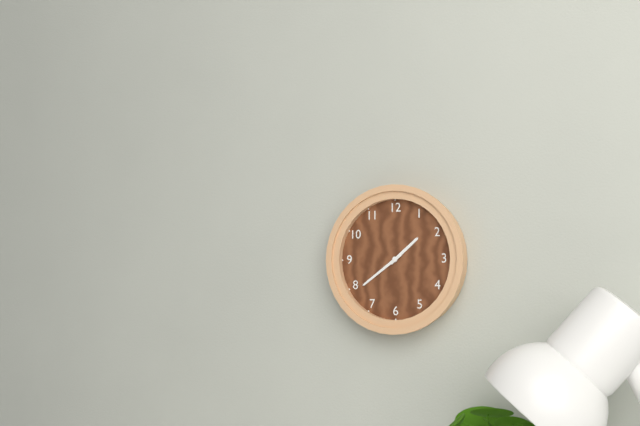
1:39
